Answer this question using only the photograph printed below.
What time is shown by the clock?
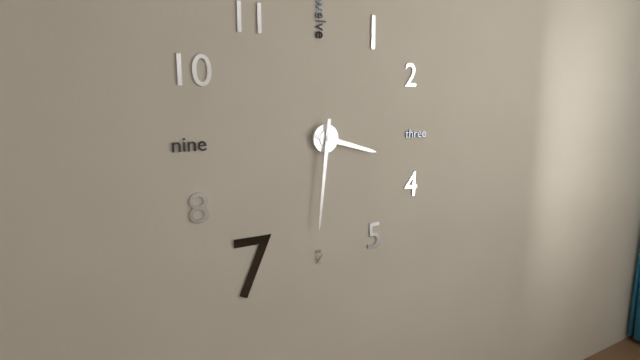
3:31
